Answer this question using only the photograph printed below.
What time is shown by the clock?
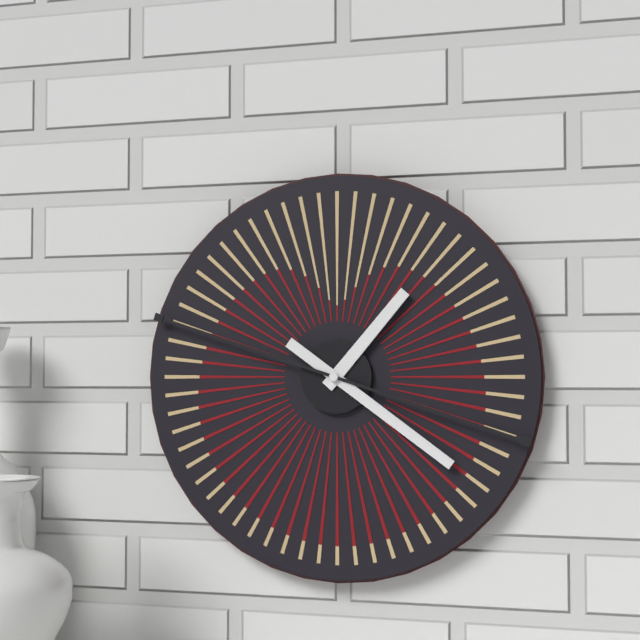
1:21
